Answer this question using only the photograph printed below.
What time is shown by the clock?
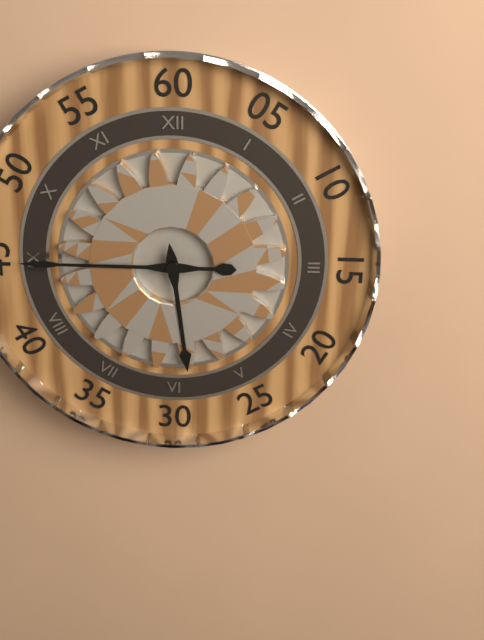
5:45
